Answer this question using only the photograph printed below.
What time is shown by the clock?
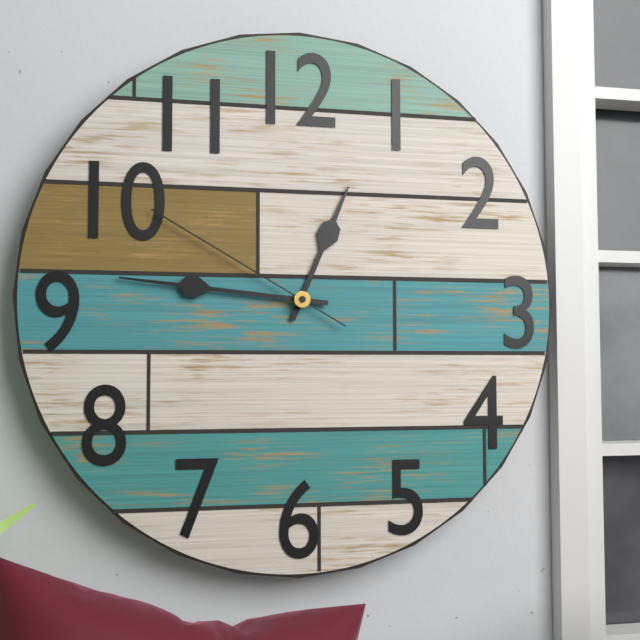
12:46:50
